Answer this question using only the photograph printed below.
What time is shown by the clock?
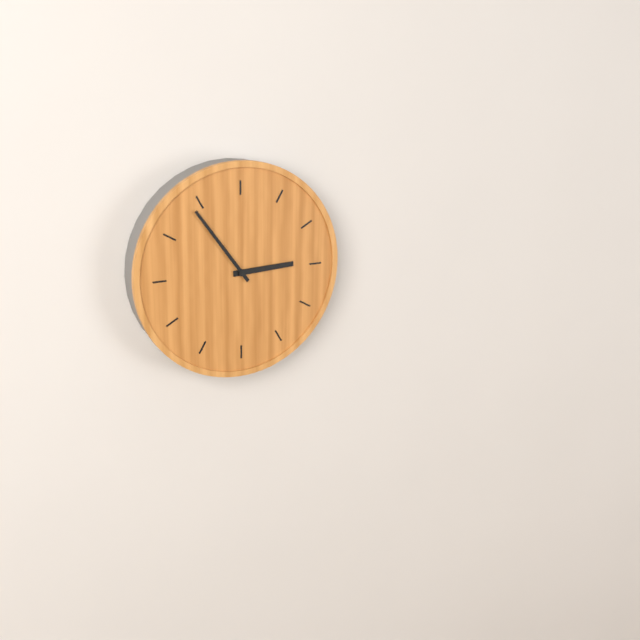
2:54
